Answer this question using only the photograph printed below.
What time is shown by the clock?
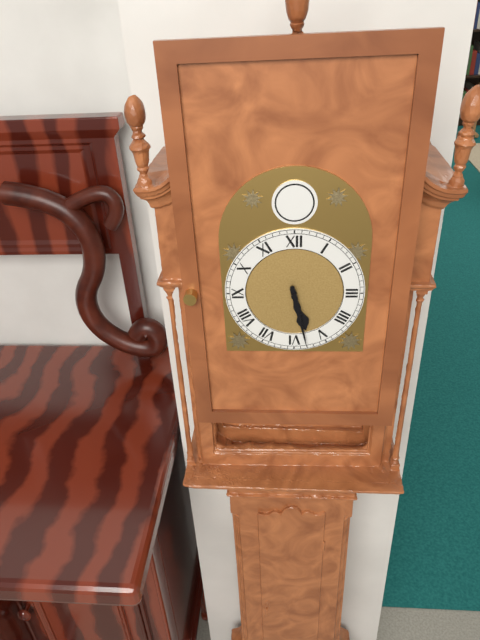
5:28
